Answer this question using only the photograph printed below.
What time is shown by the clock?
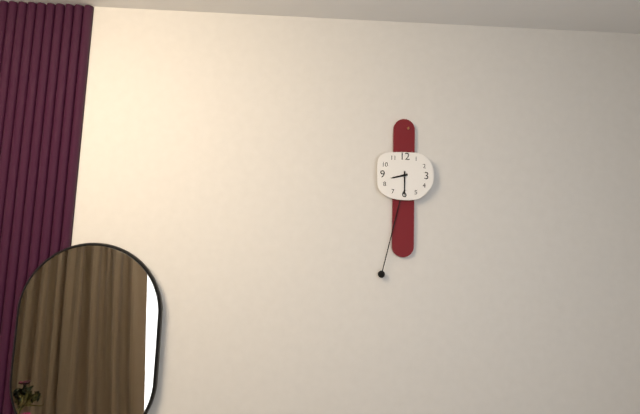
8:30
